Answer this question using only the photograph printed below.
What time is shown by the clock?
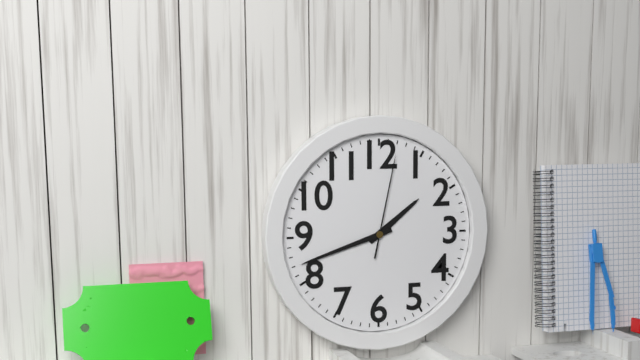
1:42:02
